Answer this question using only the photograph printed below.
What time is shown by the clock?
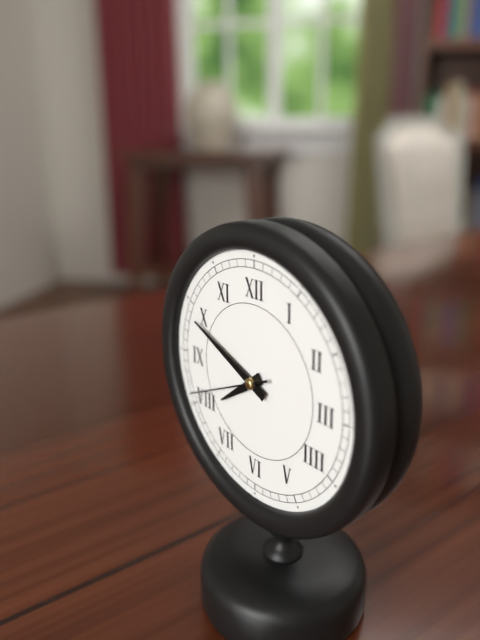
7:49:41
